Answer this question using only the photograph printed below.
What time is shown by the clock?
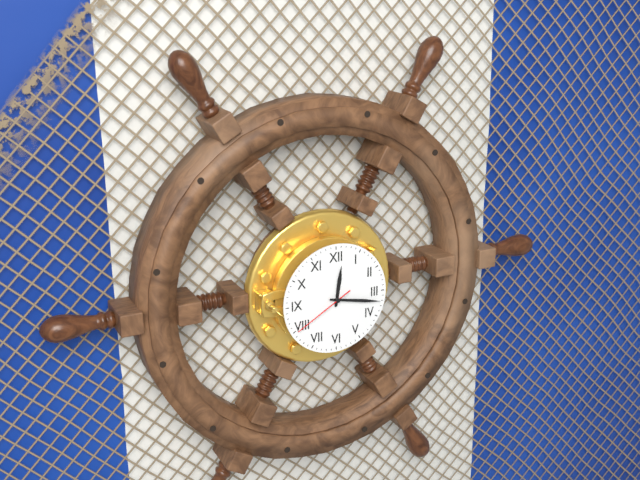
12:17:40
